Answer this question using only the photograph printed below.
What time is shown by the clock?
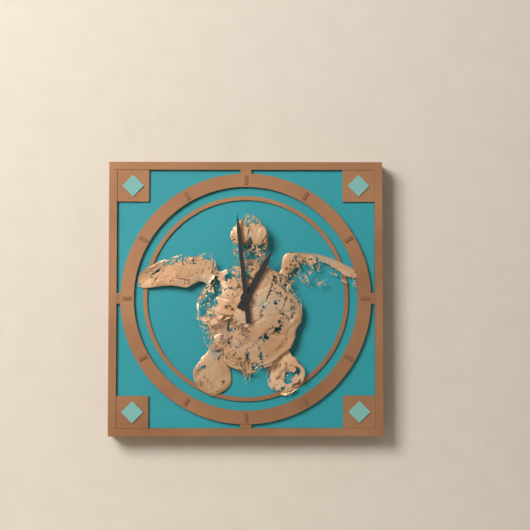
12:59
